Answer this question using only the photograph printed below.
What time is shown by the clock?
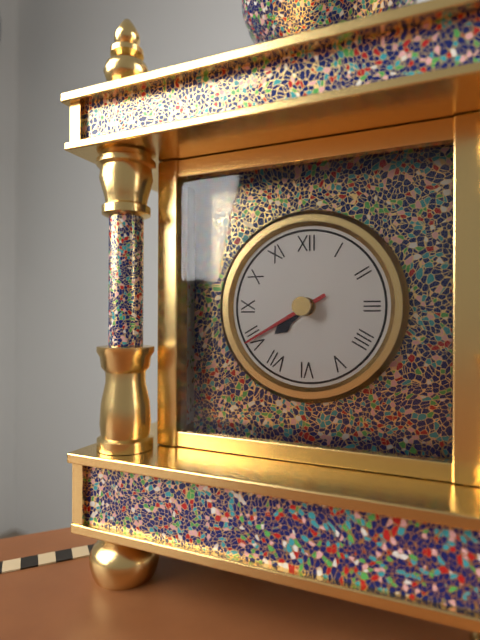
7:40
